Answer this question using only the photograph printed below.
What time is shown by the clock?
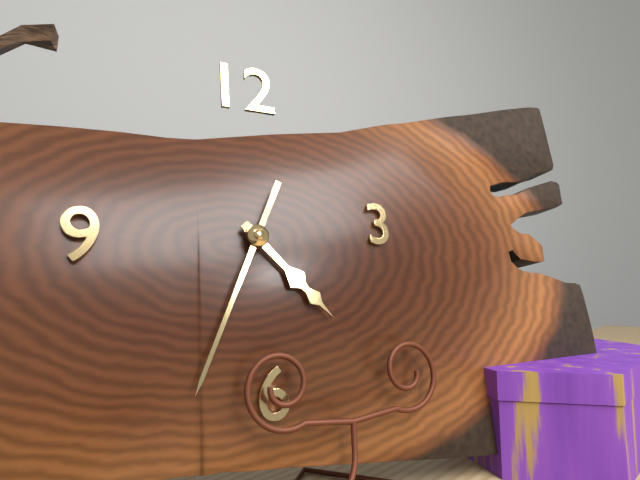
4:34
